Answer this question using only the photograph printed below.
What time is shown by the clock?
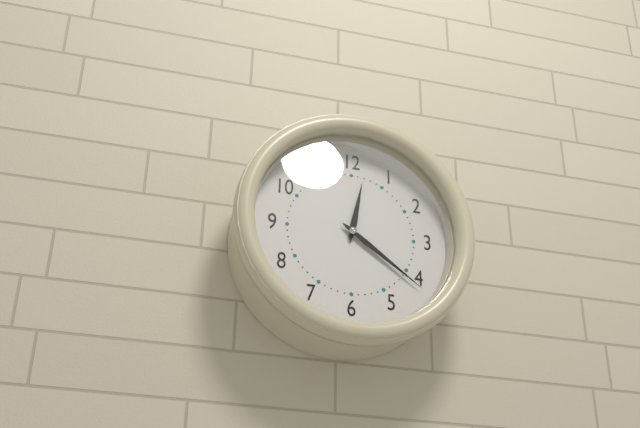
12:21
